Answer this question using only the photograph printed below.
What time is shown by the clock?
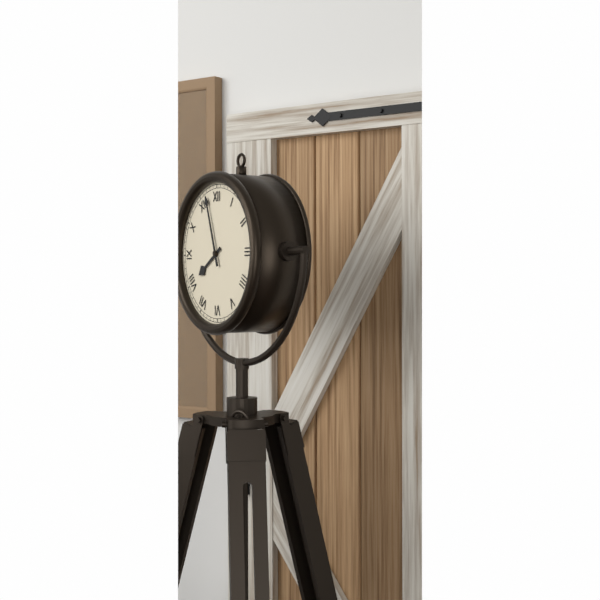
7:57
